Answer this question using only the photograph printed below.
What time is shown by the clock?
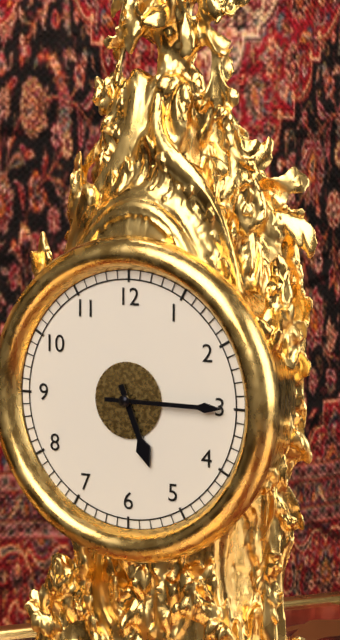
5:15
